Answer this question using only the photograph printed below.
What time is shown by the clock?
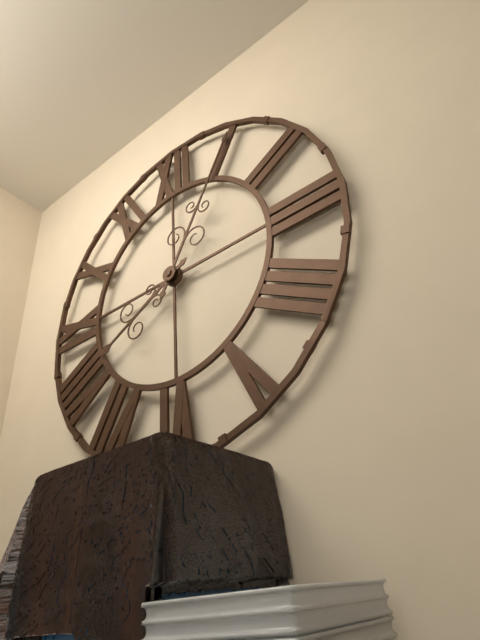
8:05
